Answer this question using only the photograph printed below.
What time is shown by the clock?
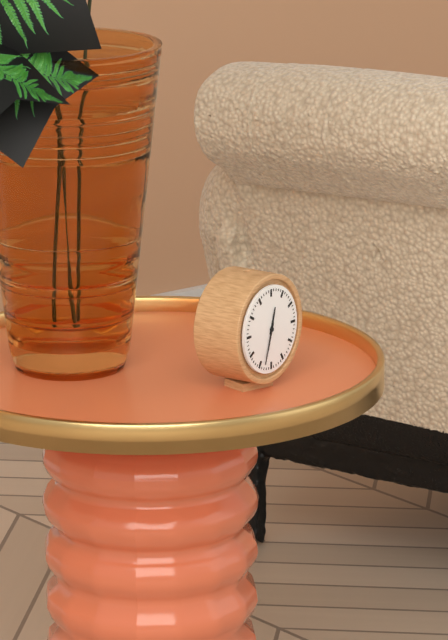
12:33
